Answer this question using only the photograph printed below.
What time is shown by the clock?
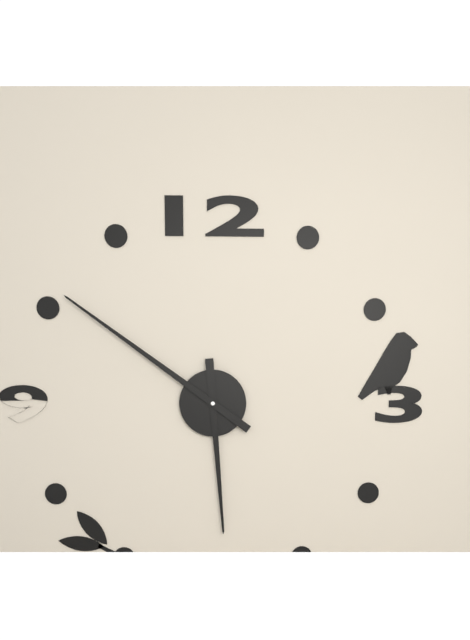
5:51
